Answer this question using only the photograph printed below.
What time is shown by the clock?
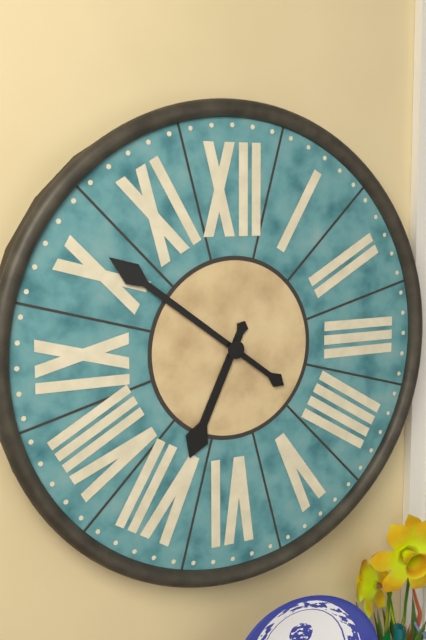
6:51
